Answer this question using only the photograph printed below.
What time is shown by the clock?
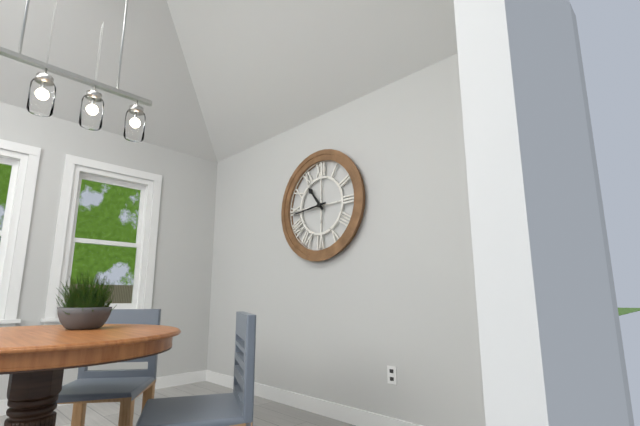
10:44
